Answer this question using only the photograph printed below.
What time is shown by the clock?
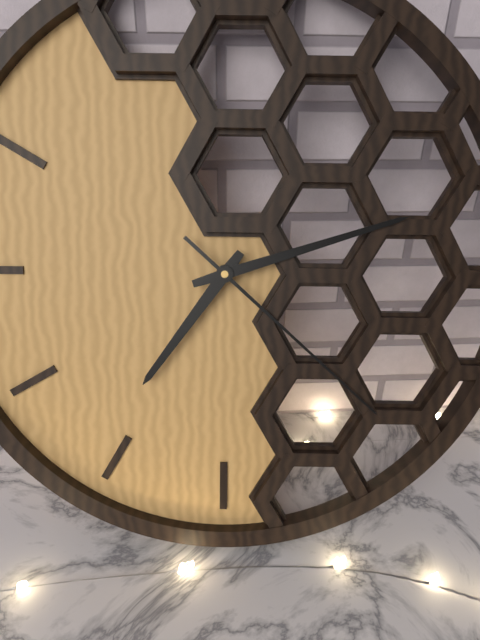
7:12:22
